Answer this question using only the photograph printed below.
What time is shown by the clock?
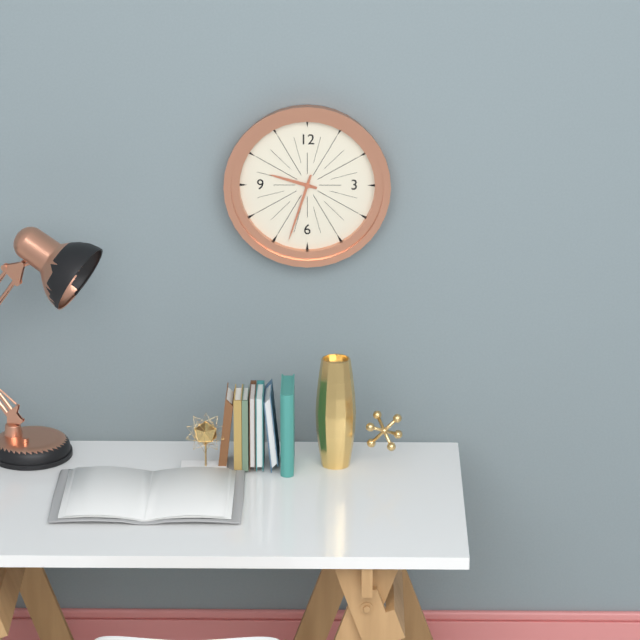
9:33
